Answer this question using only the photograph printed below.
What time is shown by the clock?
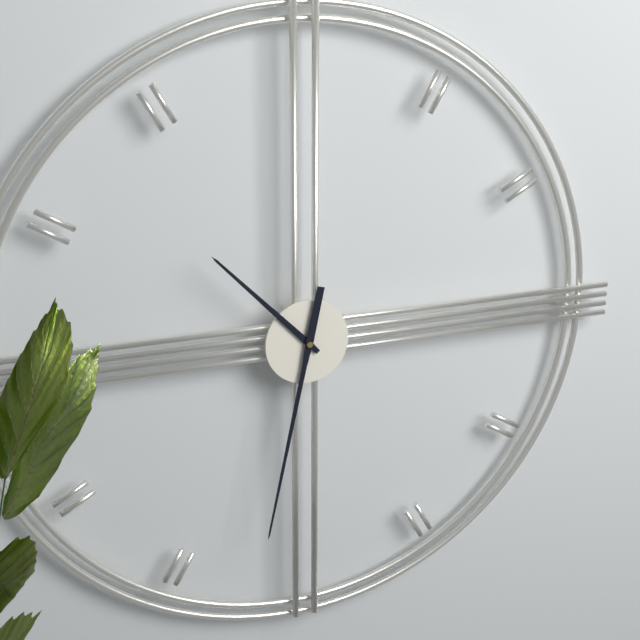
10:32
